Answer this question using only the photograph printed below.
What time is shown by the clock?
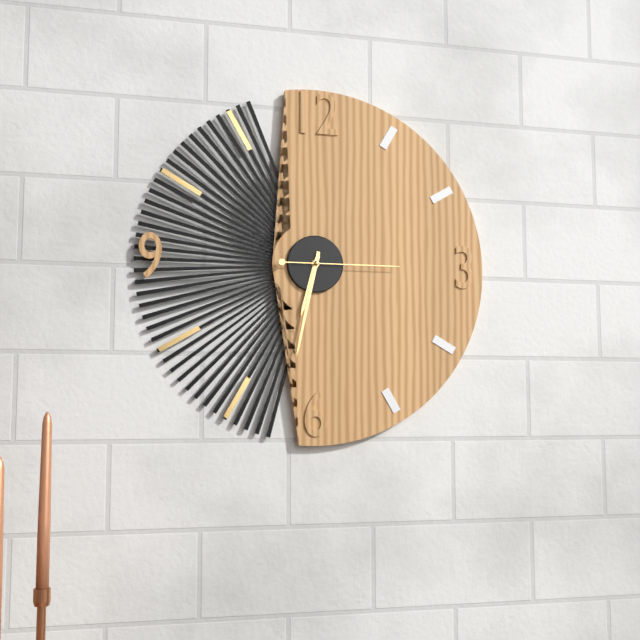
6:32:15
